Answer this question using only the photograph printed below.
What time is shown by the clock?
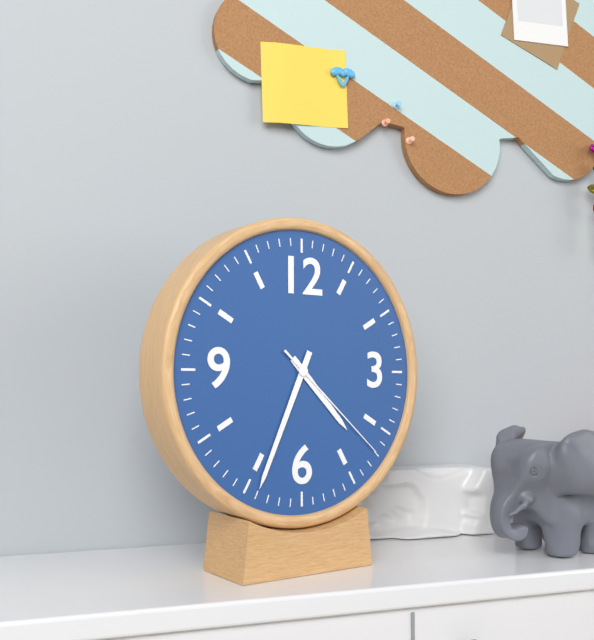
4:34:22
